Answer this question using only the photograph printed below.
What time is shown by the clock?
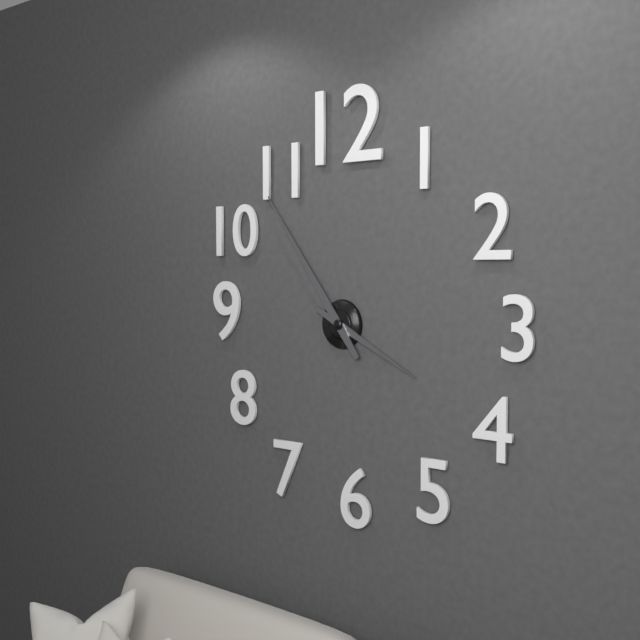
3:54
